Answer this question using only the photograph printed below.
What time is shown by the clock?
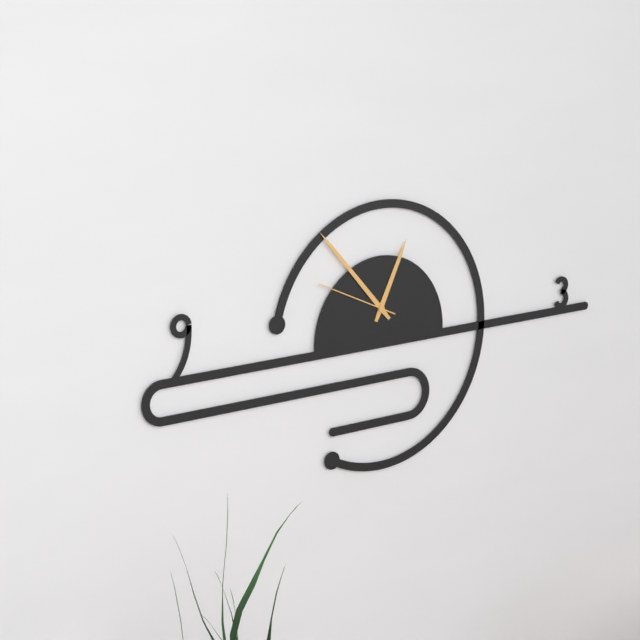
12:53:49
